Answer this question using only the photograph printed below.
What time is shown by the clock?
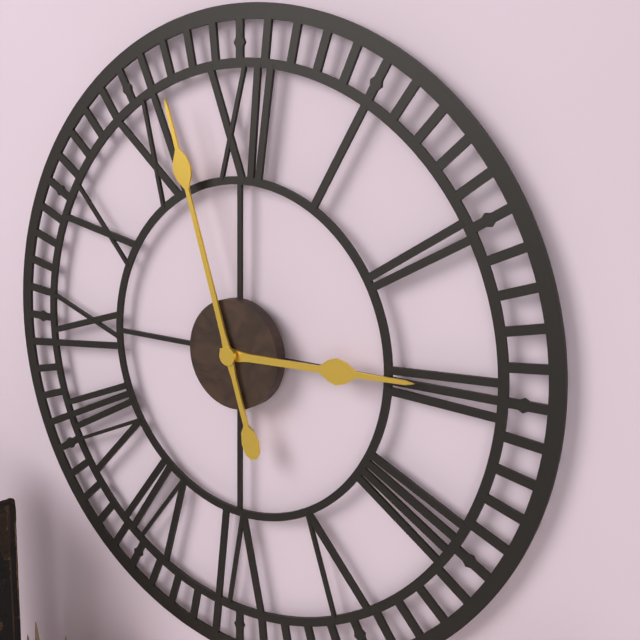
2:57
